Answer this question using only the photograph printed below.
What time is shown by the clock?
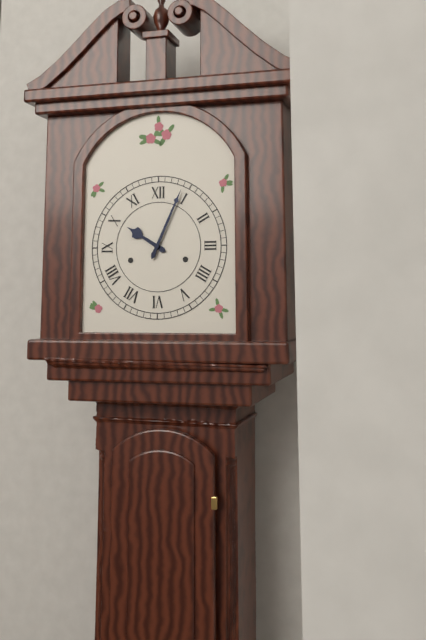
10:04
